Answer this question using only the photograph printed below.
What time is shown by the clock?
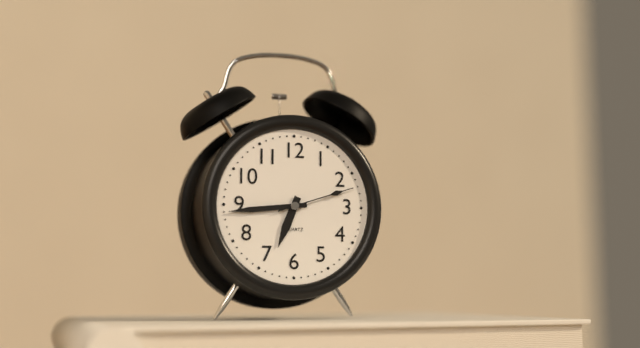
6:44:12
